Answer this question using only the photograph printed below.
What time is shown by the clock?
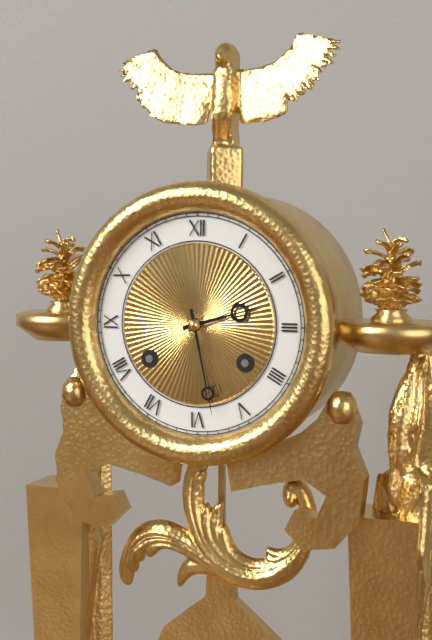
2:28
